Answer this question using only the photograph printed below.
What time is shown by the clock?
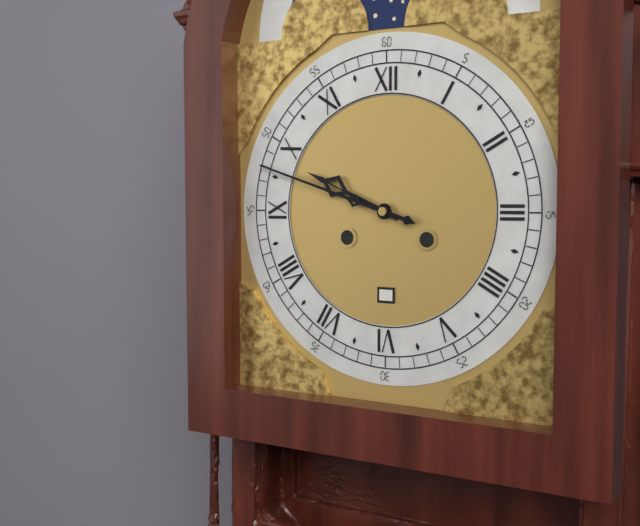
9:48
